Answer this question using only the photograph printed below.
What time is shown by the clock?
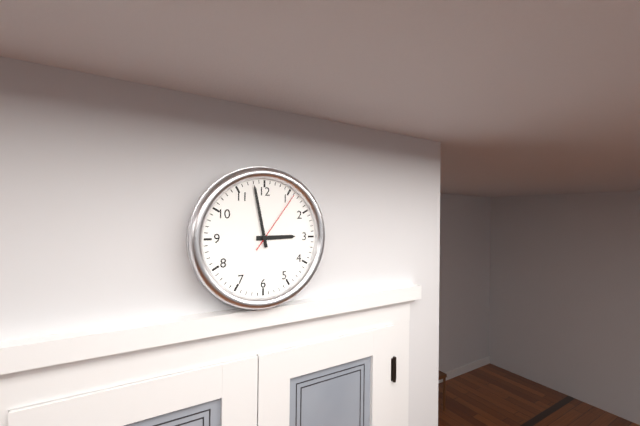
2:58:06
